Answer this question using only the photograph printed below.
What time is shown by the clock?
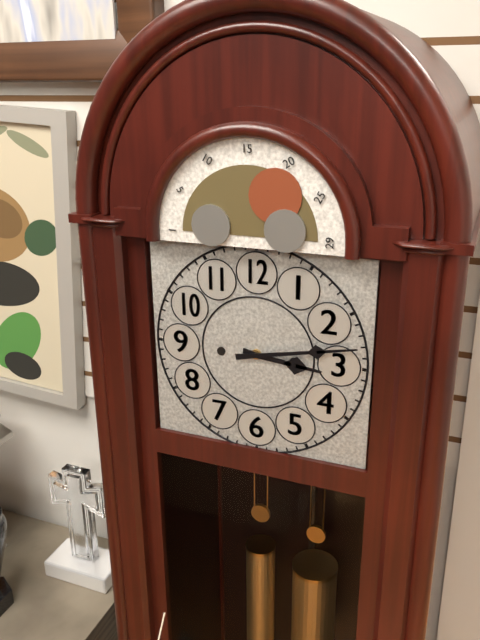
3:13
